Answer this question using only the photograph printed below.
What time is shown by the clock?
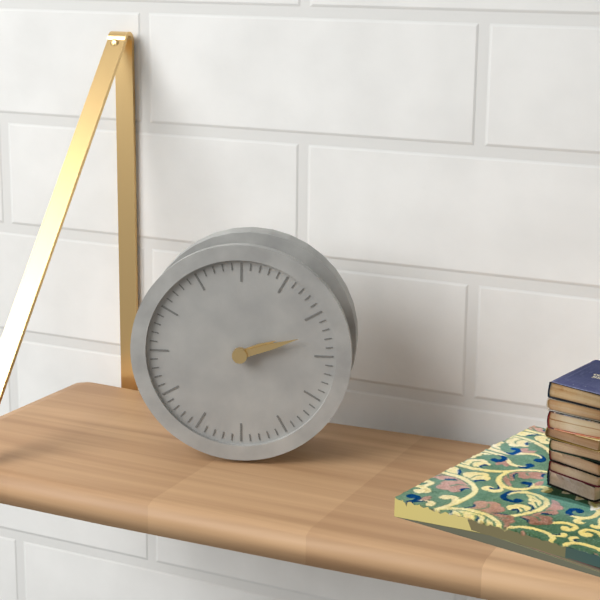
2:12
